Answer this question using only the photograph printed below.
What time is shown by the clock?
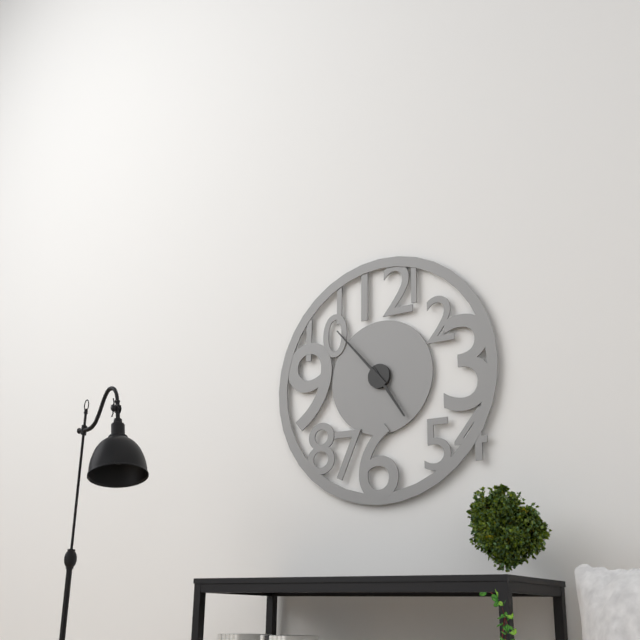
4:53
